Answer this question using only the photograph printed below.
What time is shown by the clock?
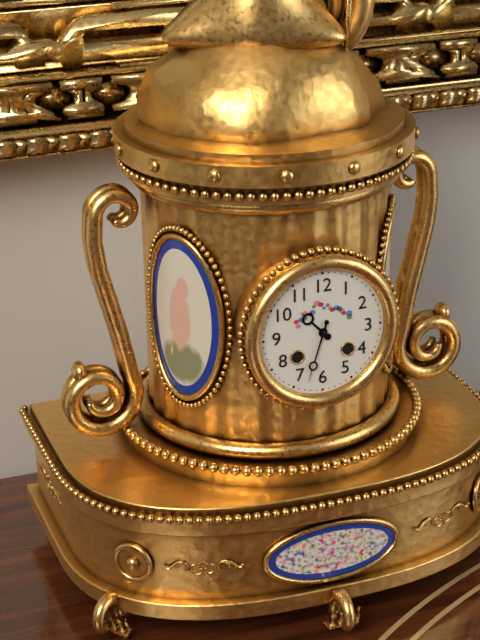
10:33
